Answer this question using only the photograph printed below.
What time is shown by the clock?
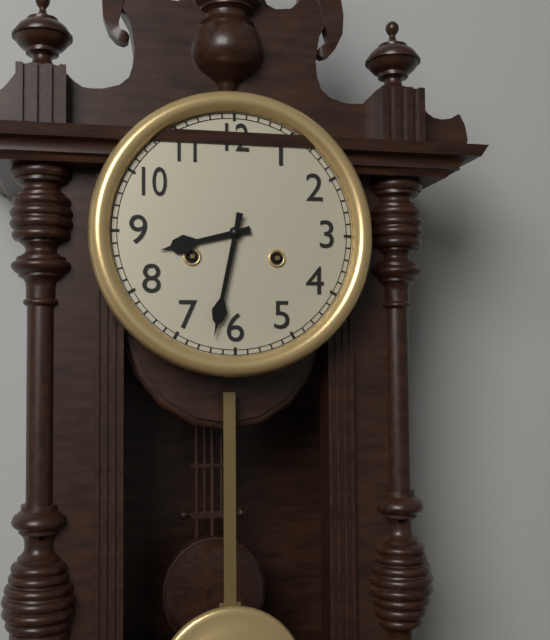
8:32
